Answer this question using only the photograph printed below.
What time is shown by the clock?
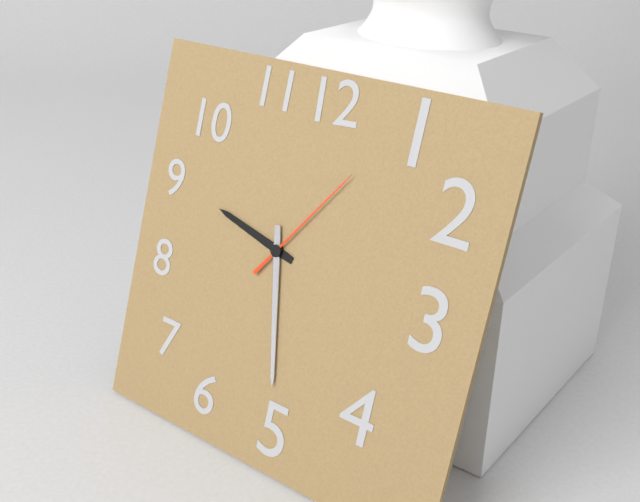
9:28:06
